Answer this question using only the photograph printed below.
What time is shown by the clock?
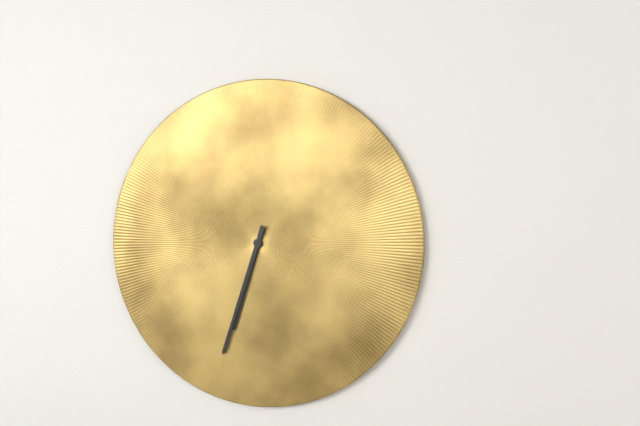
6:33
